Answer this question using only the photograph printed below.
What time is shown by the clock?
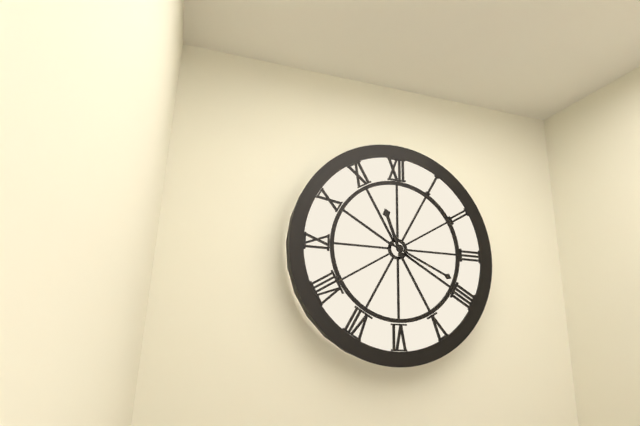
11:19
